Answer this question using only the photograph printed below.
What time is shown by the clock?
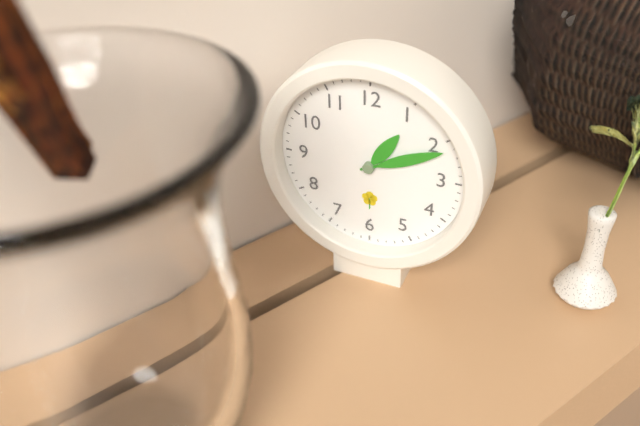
1:11
